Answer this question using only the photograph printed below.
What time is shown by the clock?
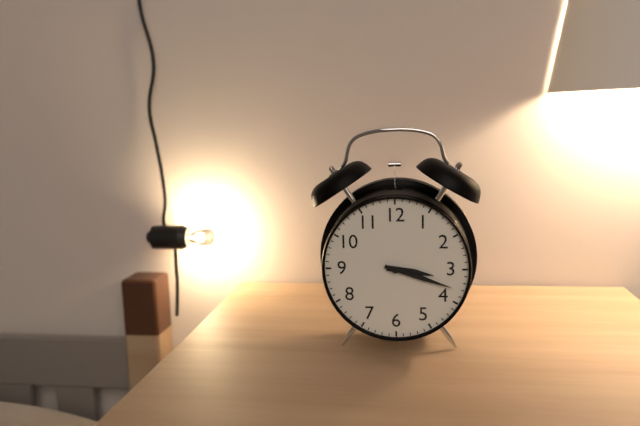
3:18
